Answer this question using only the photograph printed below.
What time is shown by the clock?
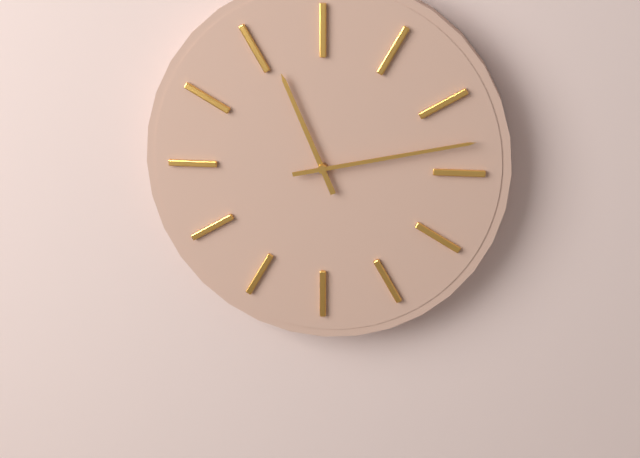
11:13
